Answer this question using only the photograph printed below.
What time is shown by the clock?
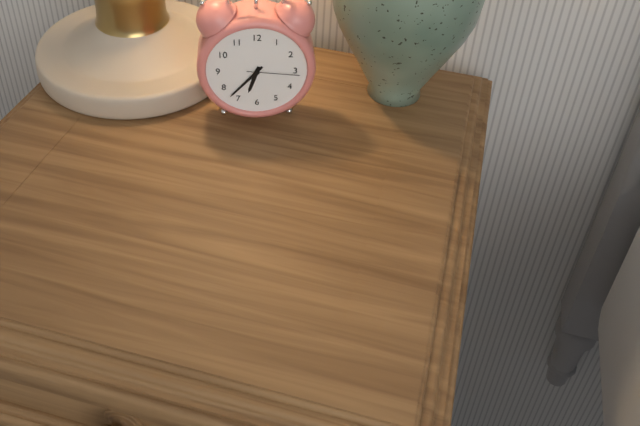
6:37:16
